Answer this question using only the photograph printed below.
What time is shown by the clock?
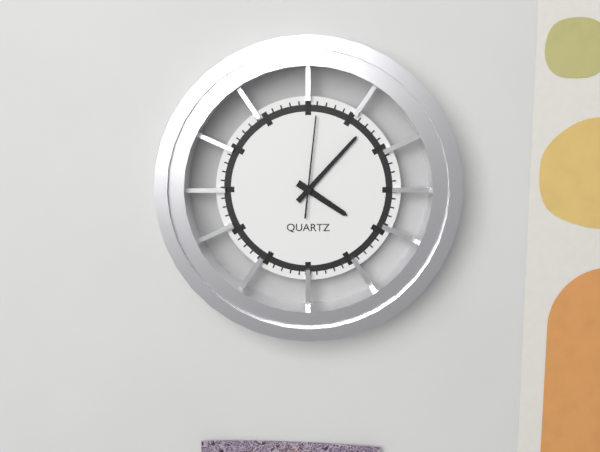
4:07:01
